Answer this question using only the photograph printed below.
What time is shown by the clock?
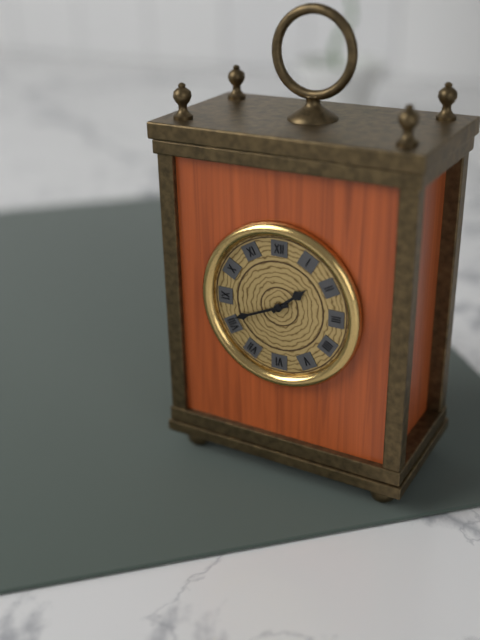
1:41
